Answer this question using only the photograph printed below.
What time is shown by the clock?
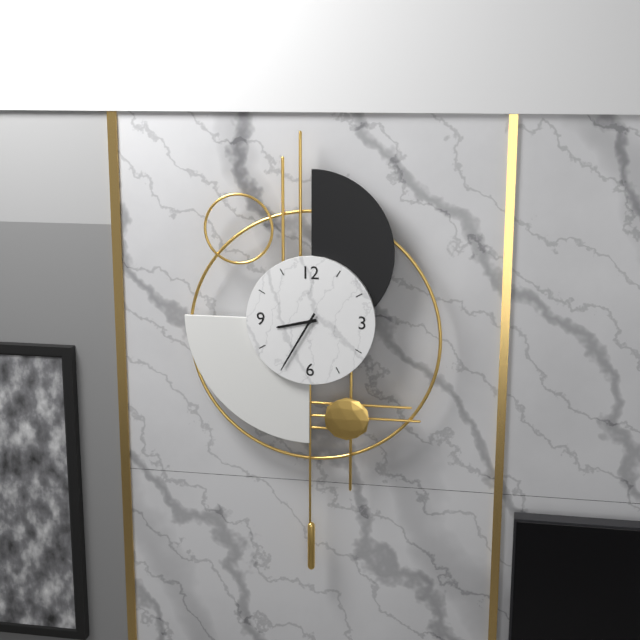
8:35
